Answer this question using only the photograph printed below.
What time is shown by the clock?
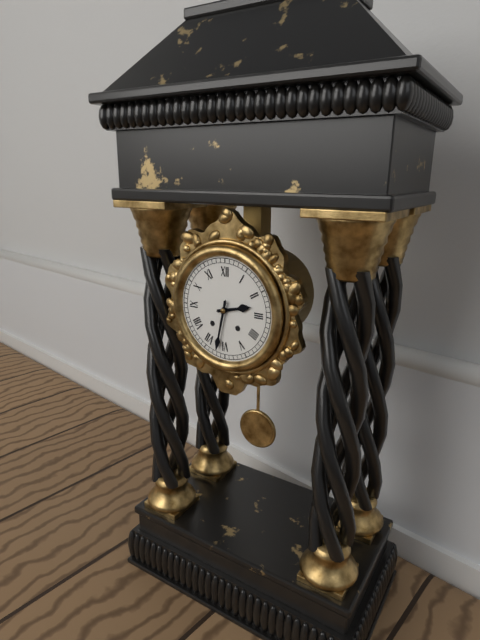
2:32
